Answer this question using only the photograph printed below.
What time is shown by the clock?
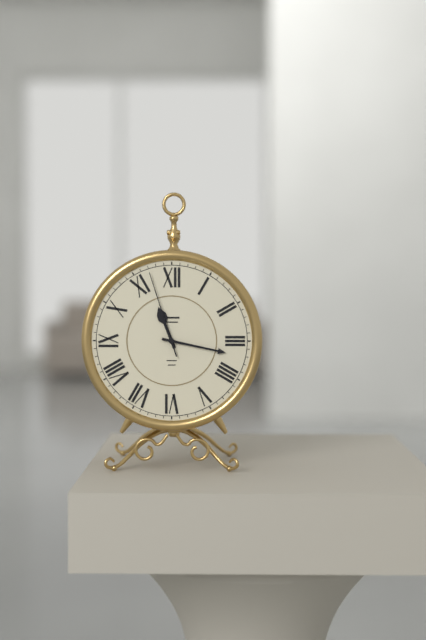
11:17:57
